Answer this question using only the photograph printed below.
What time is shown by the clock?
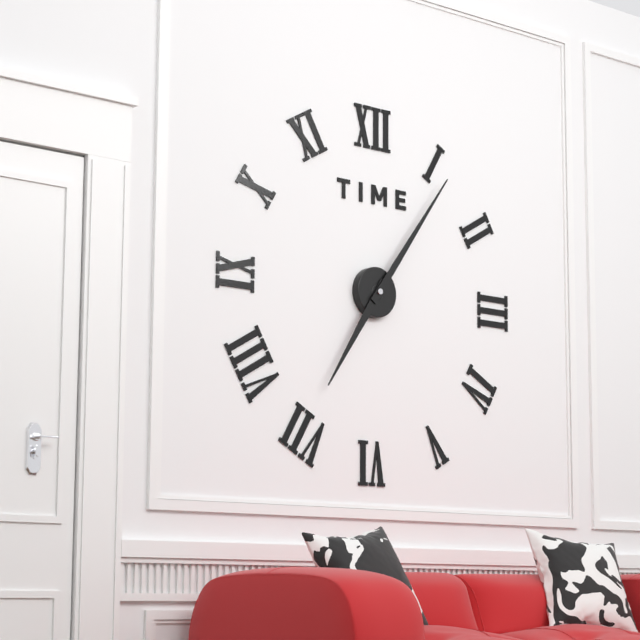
7:06
